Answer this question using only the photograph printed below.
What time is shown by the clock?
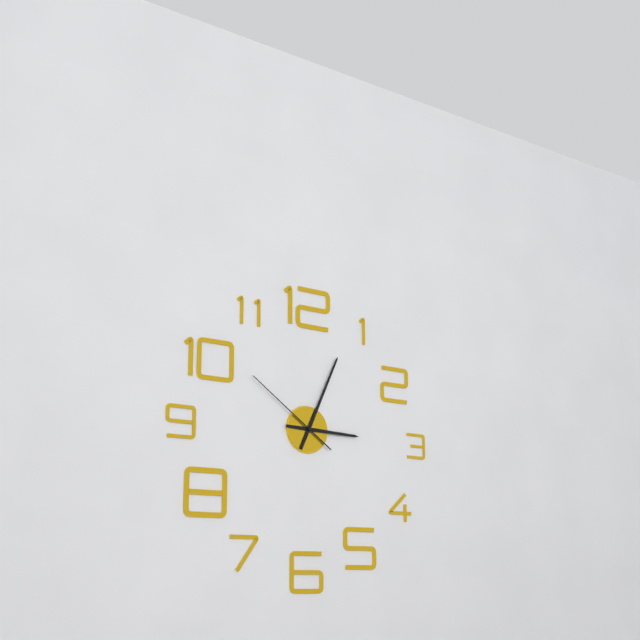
3:04:51
